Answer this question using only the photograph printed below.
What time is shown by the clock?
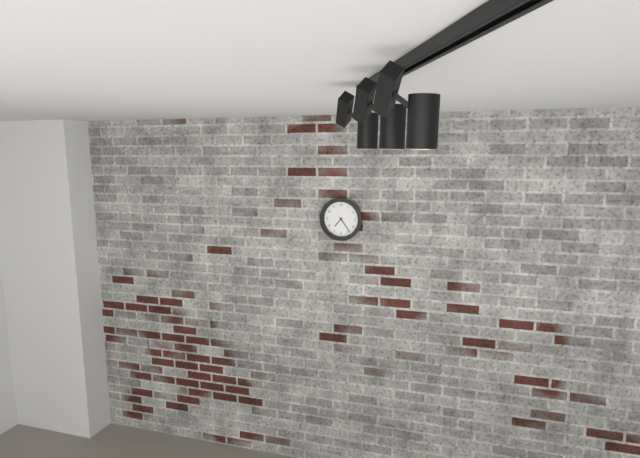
7:24
